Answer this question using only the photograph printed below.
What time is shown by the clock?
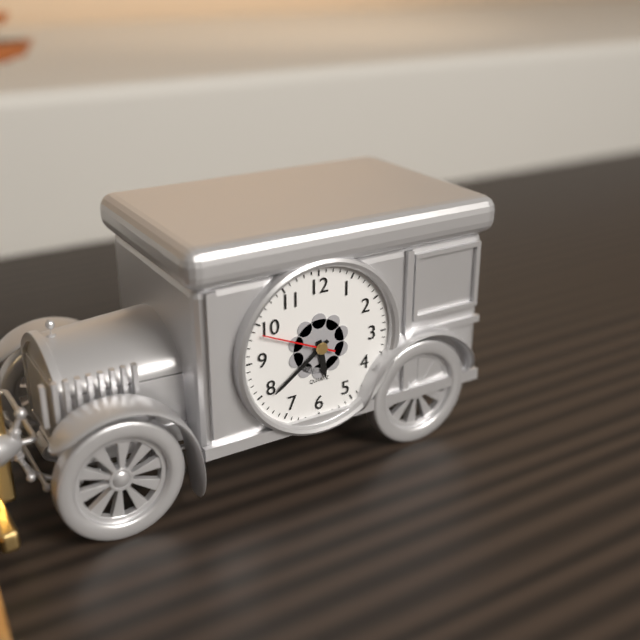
5:39:49
